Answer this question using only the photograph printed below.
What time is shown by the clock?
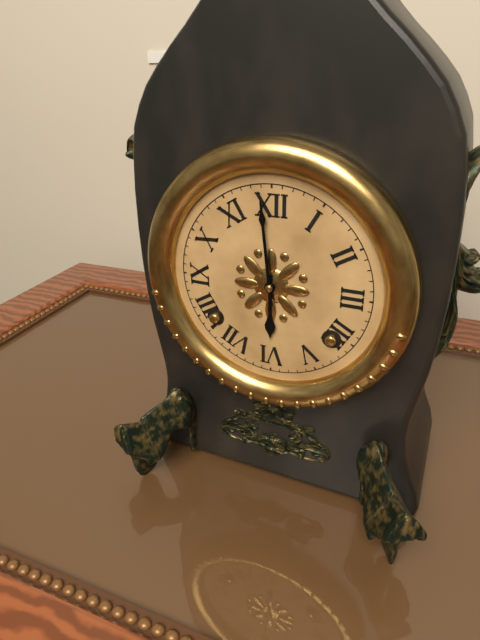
5:59
